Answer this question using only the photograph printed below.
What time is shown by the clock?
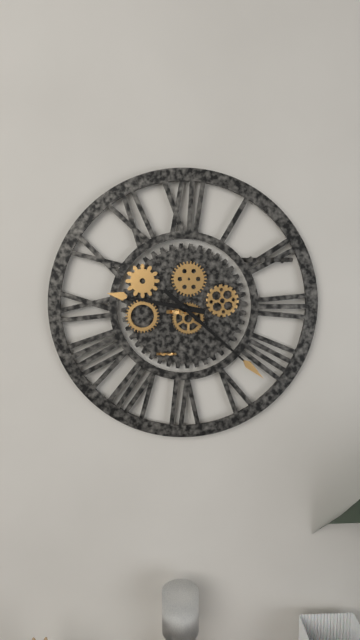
9:22
